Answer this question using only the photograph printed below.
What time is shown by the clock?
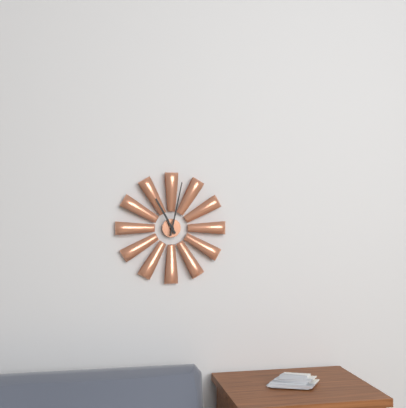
11:02
